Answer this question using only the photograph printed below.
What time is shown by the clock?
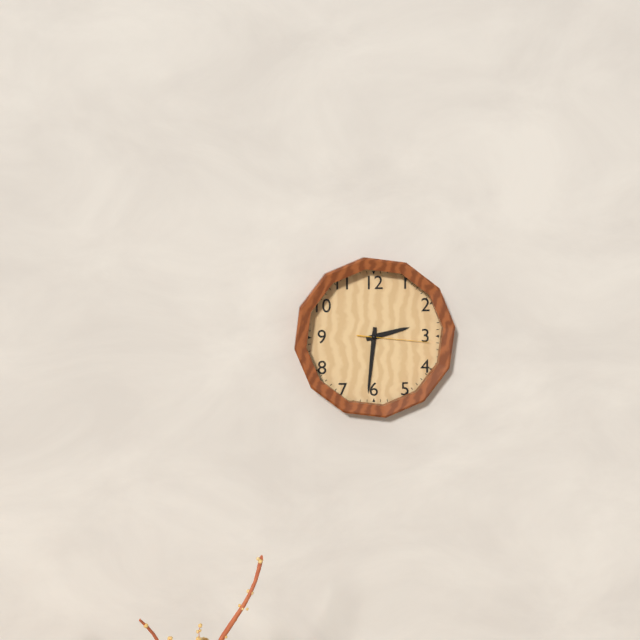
2:31:16
